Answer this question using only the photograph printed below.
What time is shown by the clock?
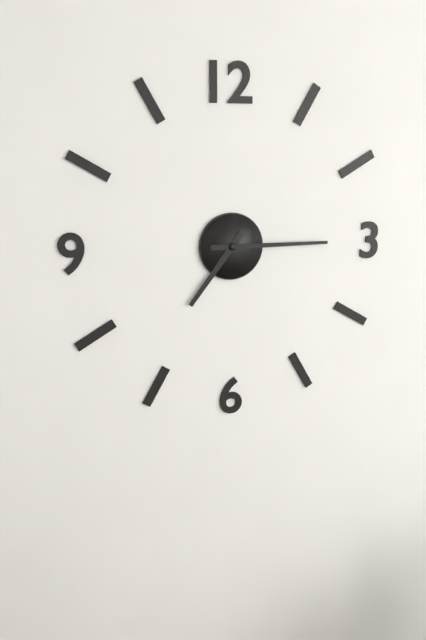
7:15
